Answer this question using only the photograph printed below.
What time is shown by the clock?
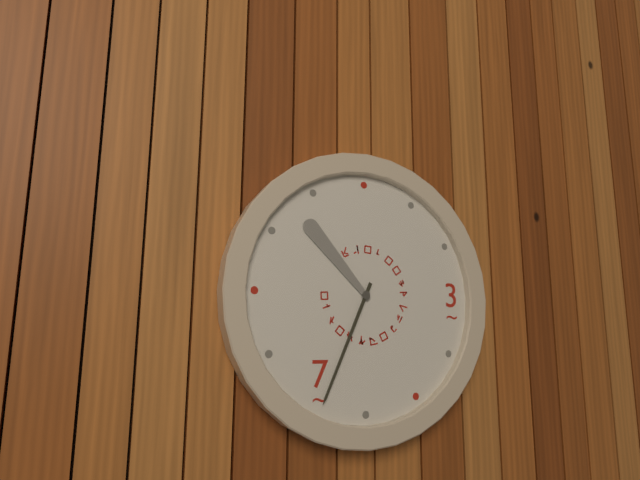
10:34
